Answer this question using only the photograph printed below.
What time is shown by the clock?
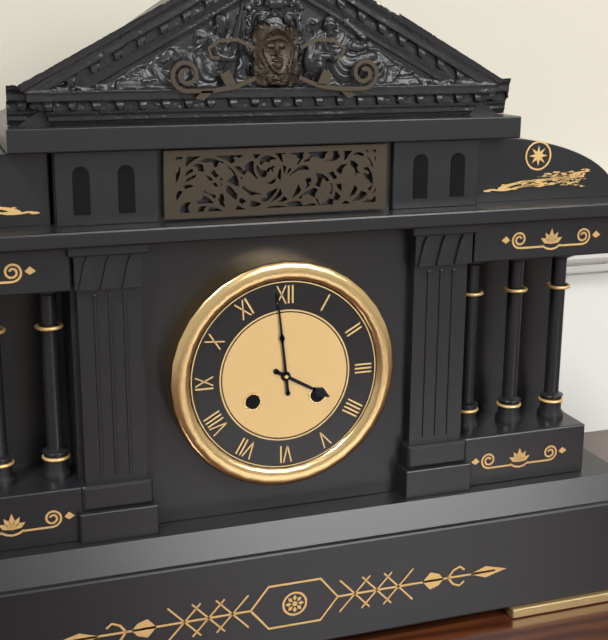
3:59
